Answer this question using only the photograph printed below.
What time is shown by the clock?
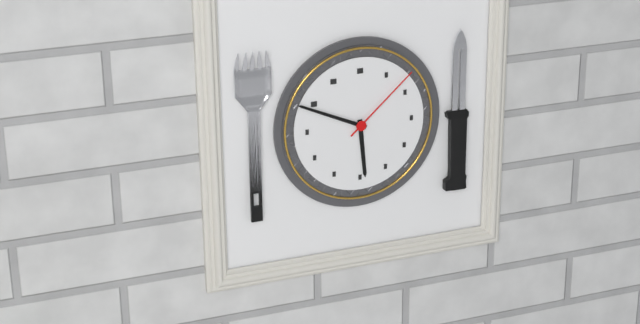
5:49:08
